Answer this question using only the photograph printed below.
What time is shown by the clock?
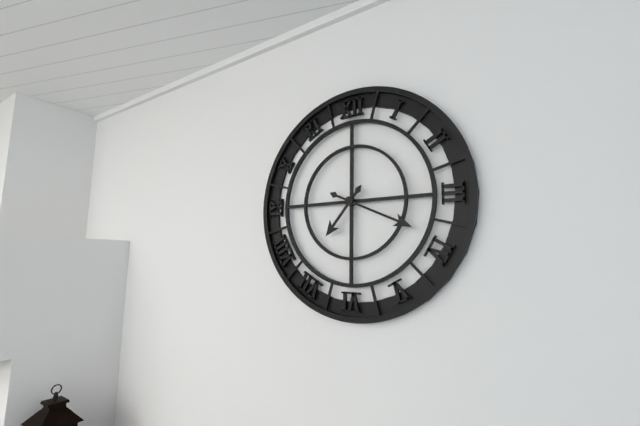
7:19
